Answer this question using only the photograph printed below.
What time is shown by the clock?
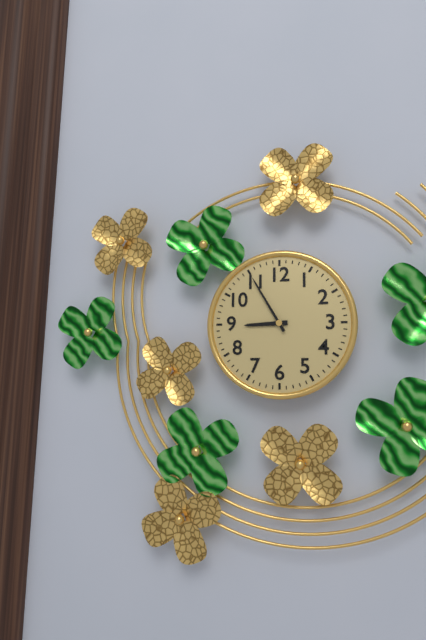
8:55
